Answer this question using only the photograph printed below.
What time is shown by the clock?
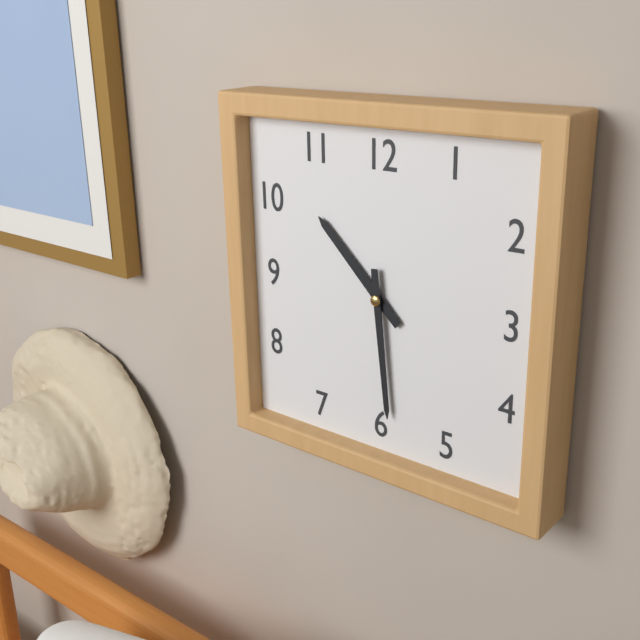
10:29
